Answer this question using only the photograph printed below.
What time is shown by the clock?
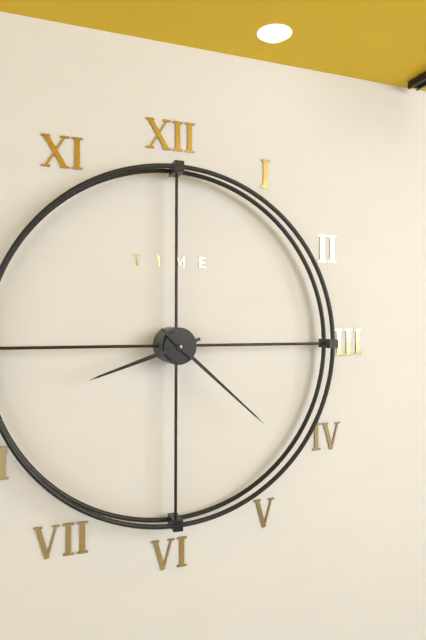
8:22
